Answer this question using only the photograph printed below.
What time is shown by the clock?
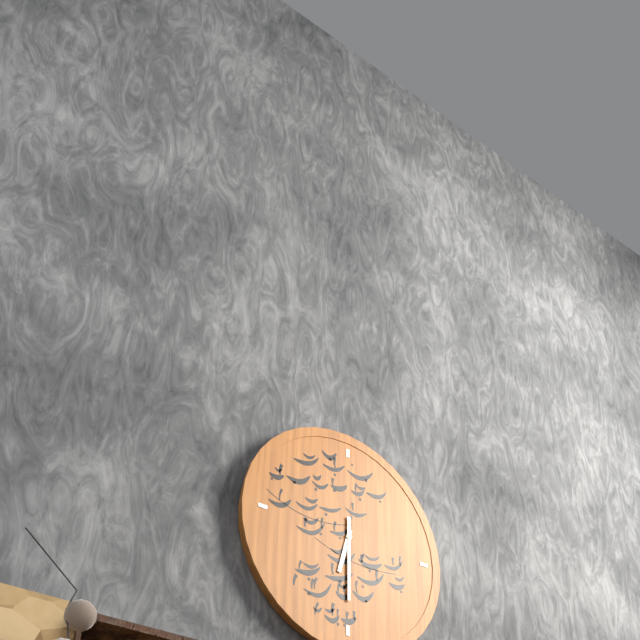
6:30
